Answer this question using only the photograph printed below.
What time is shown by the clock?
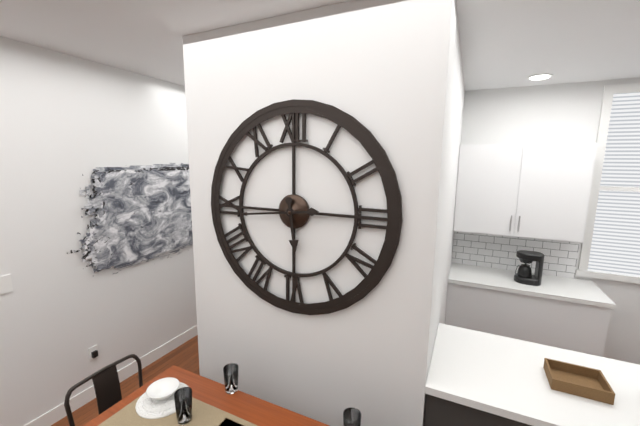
5:44
